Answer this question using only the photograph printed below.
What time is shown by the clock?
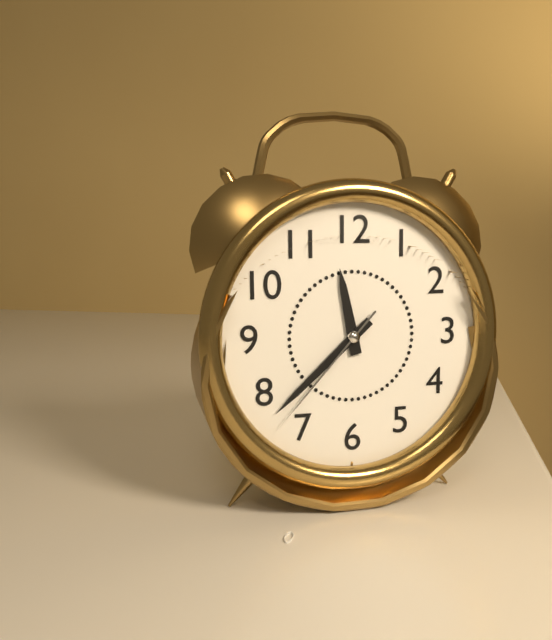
11:38:37
